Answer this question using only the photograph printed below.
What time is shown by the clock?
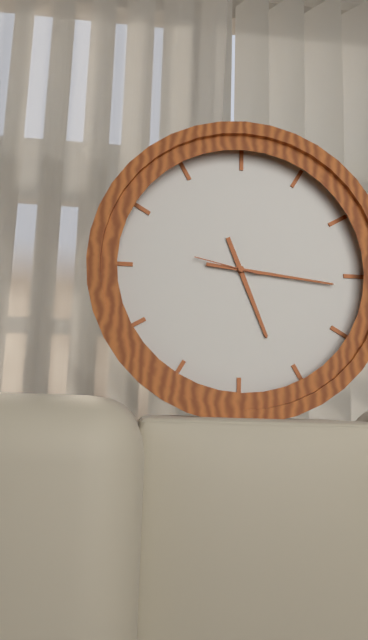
5:16:47
